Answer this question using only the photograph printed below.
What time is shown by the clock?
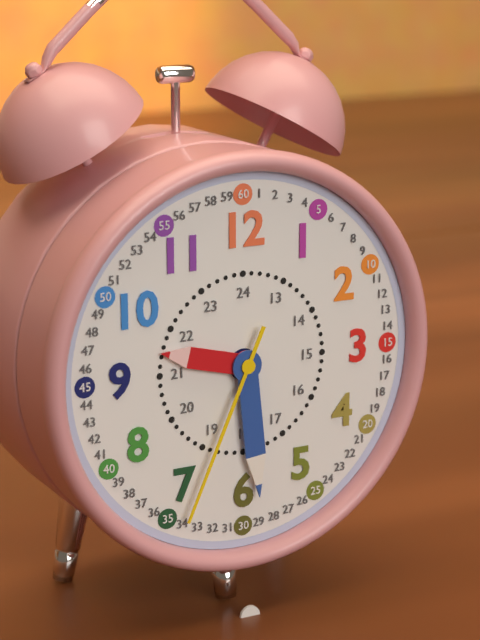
9:29:34
